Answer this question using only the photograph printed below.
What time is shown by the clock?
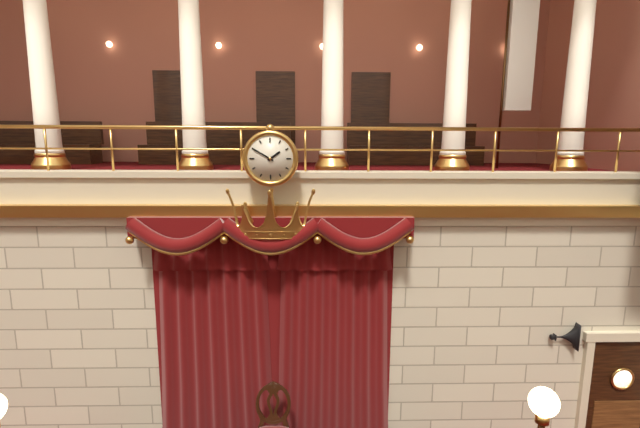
1:50
